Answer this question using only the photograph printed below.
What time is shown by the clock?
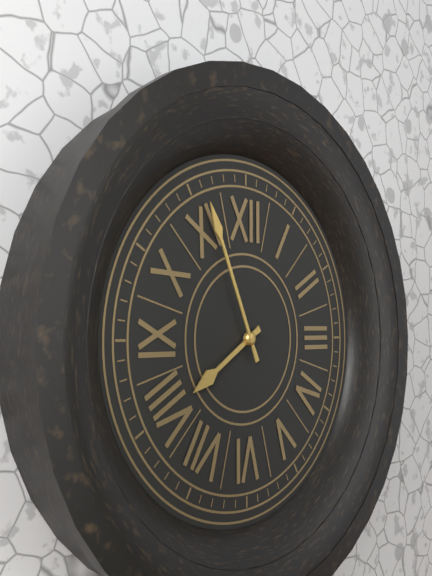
7:56
